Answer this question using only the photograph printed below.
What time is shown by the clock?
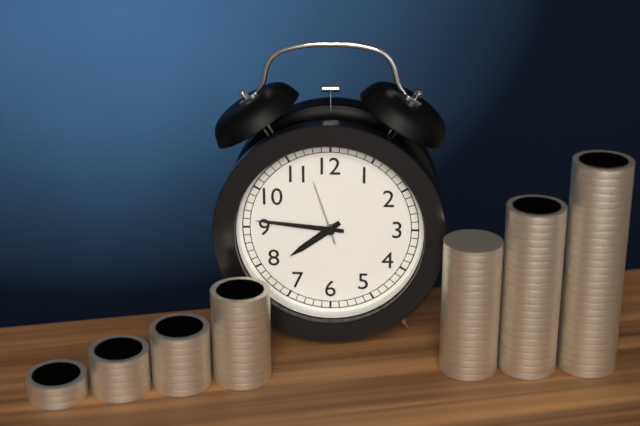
7:46:57
